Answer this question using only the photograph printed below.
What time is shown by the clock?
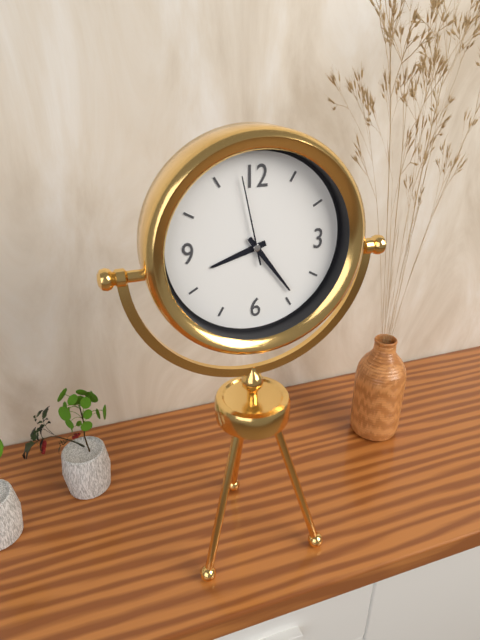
8:24:58
